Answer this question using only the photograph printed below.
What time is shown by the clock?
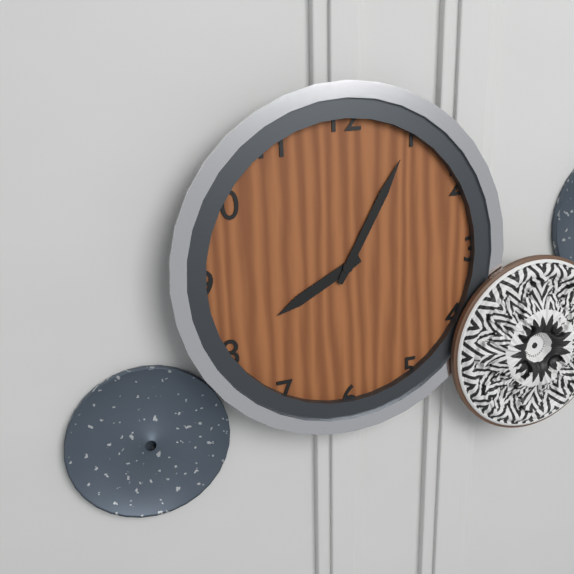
8:05
